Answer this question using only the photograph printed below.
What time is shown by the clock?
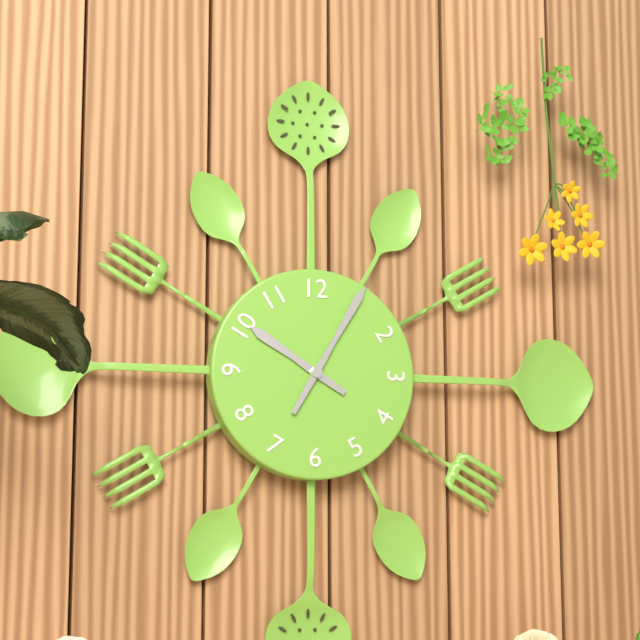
10:05
